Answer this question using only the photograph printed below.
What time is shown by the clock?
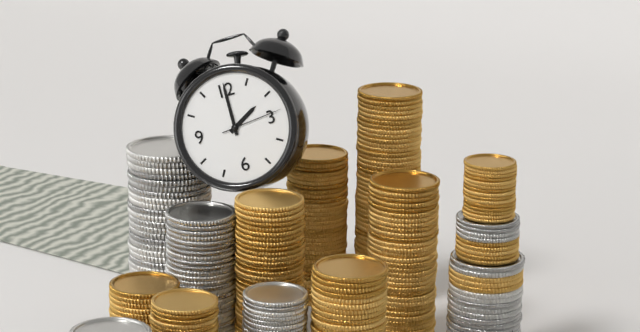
2:00:14
